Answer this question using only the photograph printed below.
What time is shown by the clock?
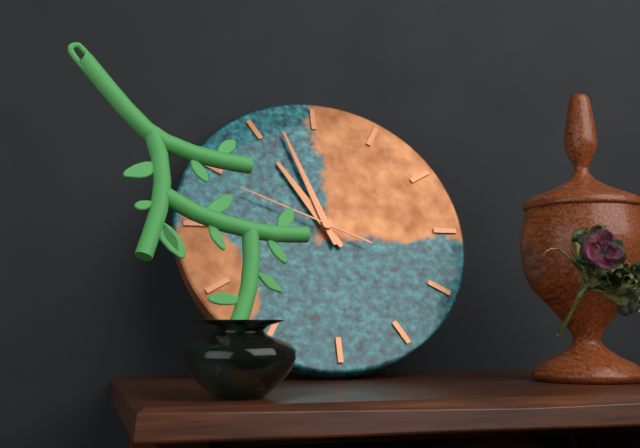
10:57:49
